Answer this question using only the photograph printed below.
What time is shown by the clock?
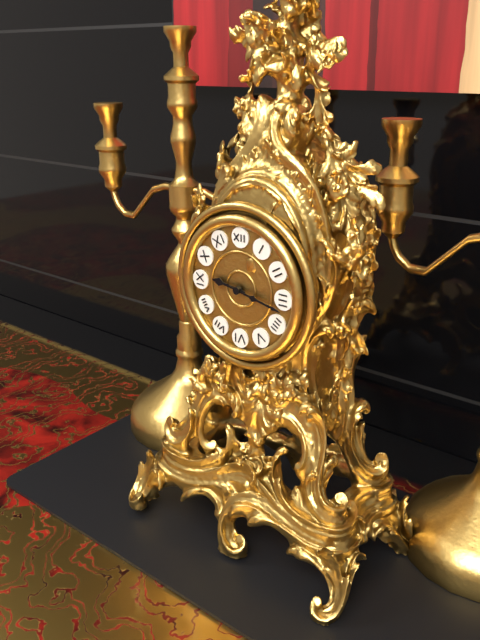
9:17
